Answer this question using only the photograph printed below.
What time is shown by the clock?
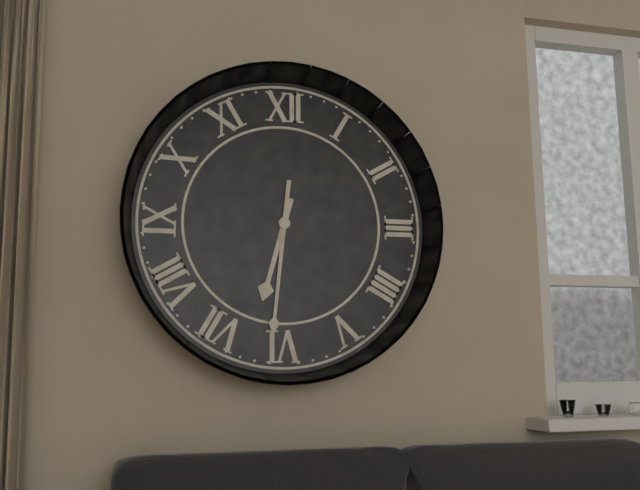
6:31
